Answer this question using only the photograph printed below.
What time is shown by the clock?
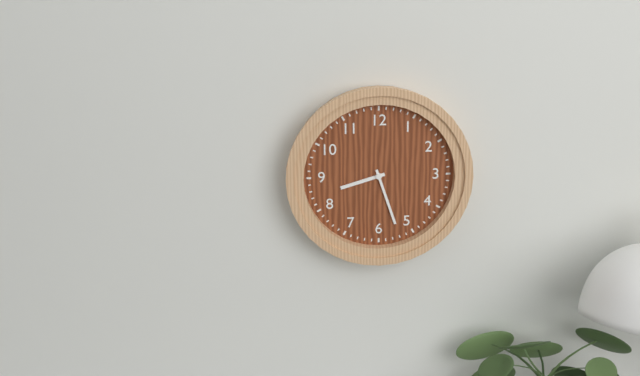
8:27
